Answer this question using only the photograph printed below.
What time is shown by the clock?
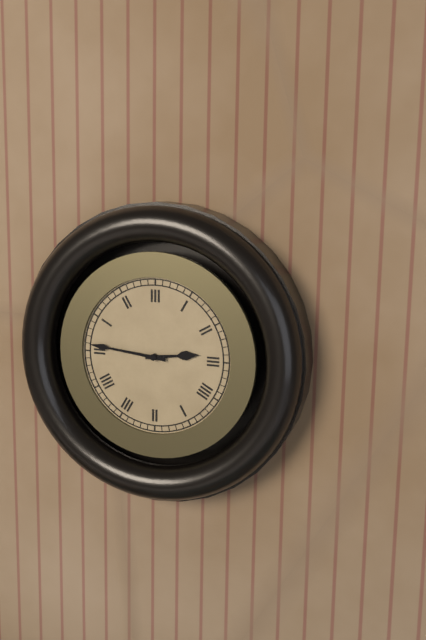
2:46
